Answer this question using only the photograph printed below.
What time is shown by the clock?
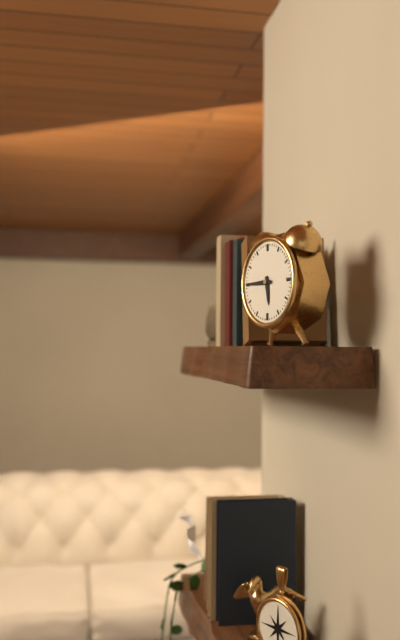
5:45
